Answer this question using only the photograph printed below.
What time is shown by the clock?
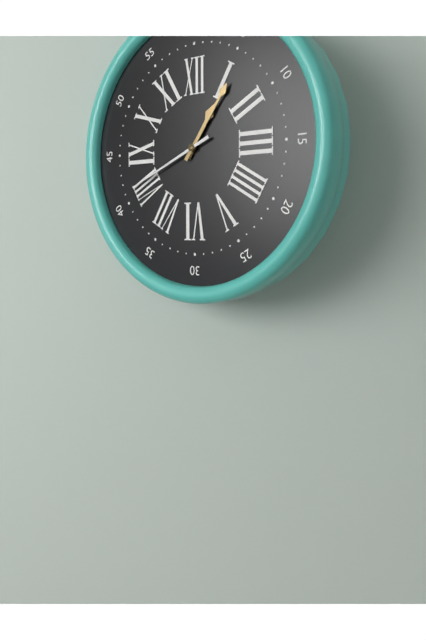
1:06:41
